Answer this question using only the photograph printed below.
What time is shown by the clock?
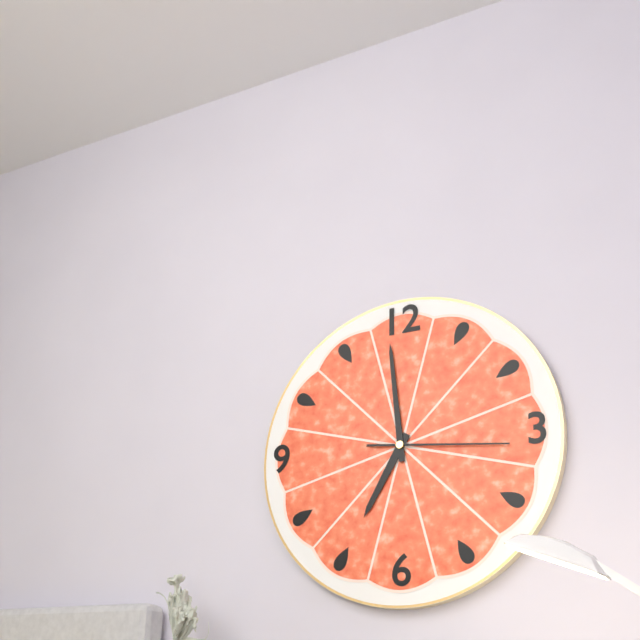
6:59:16
